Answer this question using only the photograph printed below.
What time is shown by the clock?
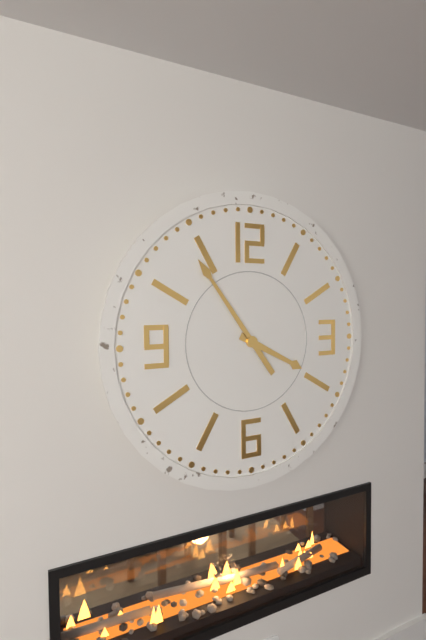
3:54
